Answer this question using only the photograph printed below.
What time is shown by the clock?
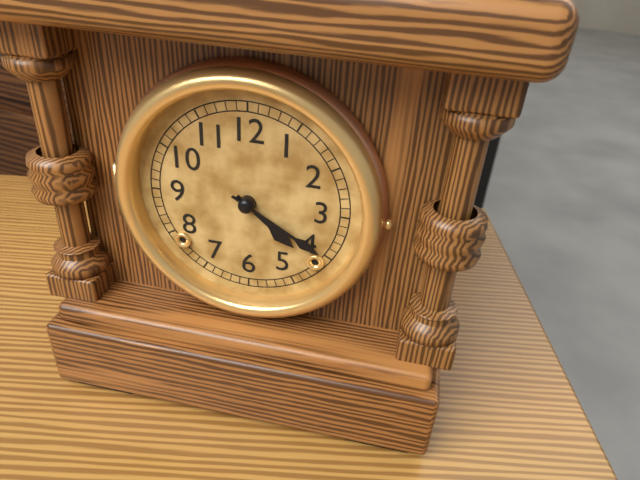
4:20
